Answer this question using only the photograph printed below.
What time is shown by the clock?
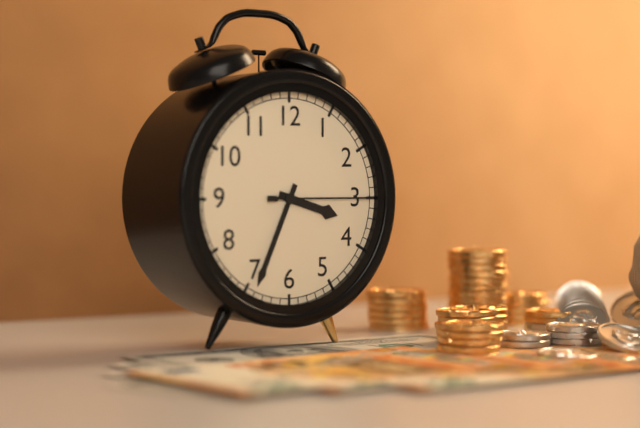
3:34:15
